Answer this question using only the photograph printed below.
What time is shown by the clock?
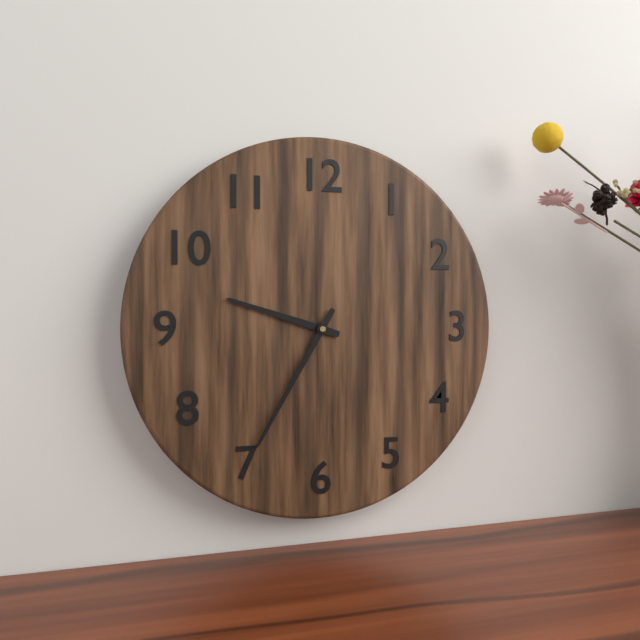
9:35
